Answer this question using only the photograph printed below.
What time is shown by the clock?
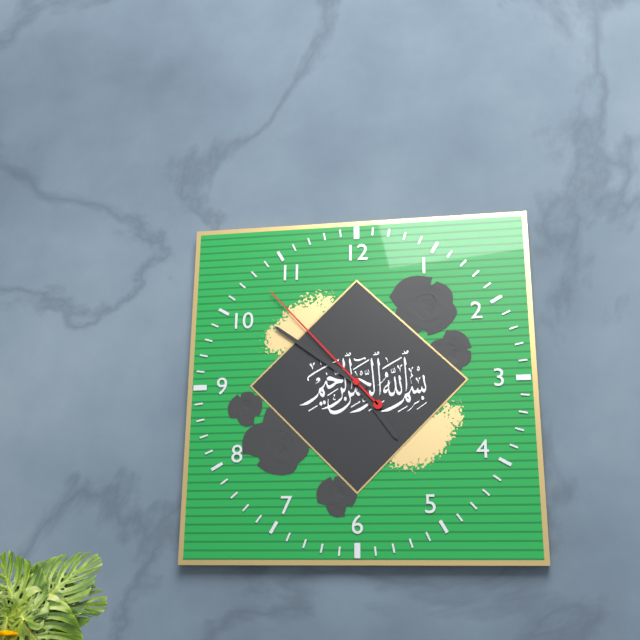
4:51:53
